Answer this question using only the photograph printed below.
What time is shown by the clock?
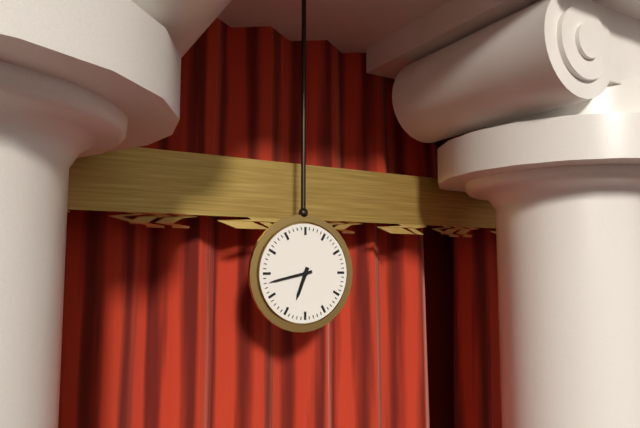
6:43
